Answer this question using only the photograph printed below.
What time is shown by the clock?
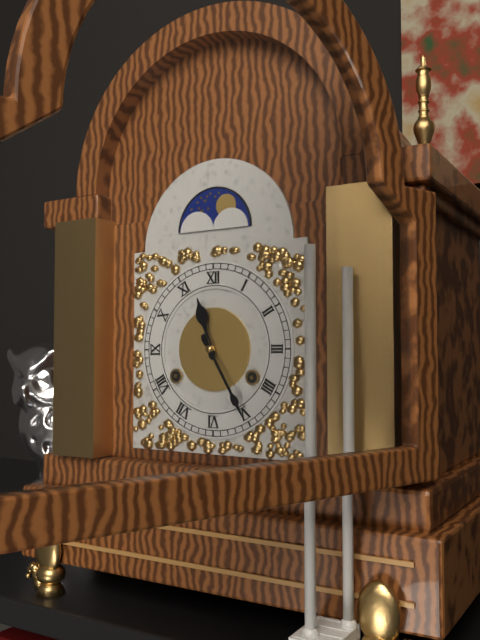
11:25
